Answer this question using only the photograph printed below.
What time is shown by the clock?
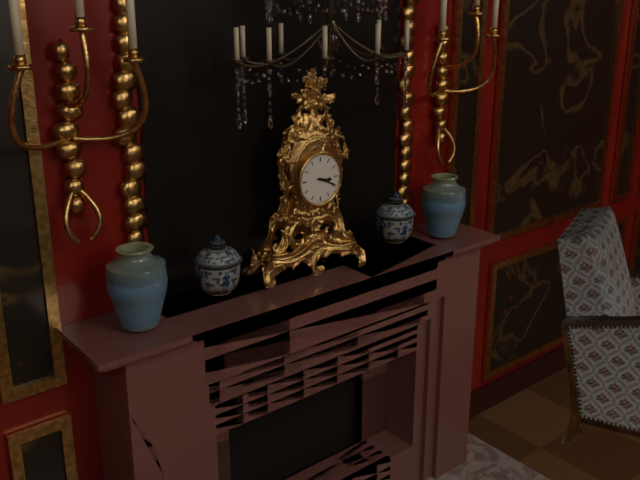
3:19
